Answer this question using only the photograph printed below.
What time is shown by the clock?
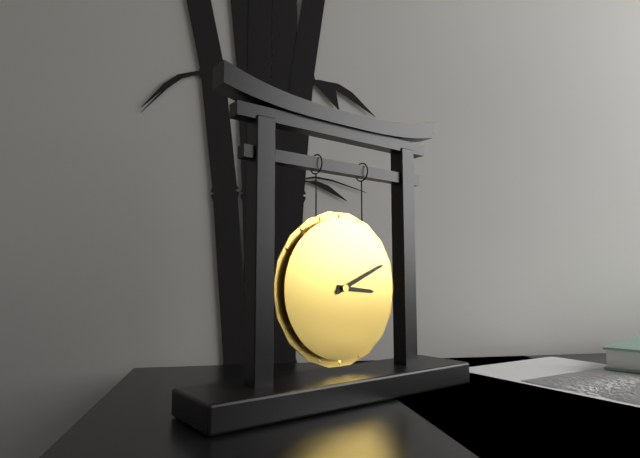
3:11
